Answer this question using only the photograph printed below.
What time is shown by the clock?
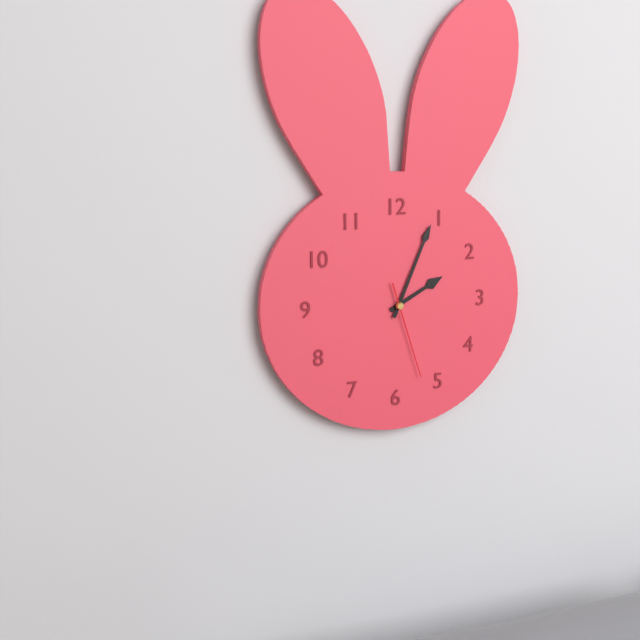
2:04:27
